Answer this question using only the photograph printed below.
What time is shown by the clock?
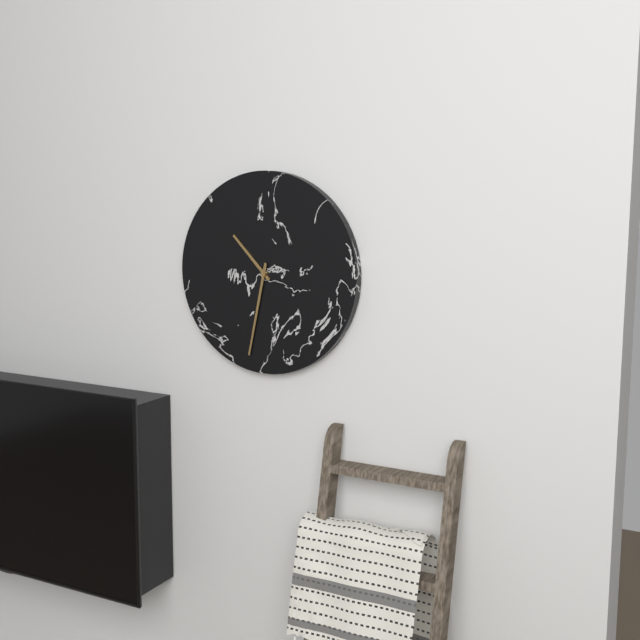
10:32
